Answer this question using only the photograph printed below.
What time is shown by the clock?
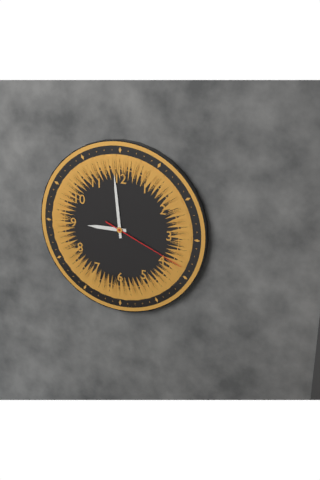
8:59:19
